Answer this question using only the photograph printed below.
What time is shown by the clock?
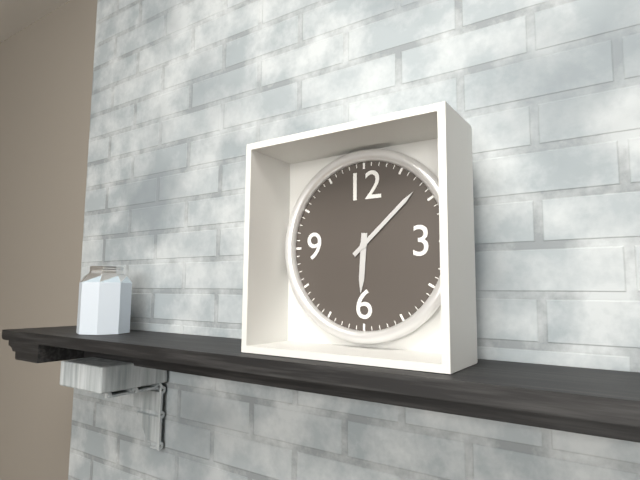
6:08
